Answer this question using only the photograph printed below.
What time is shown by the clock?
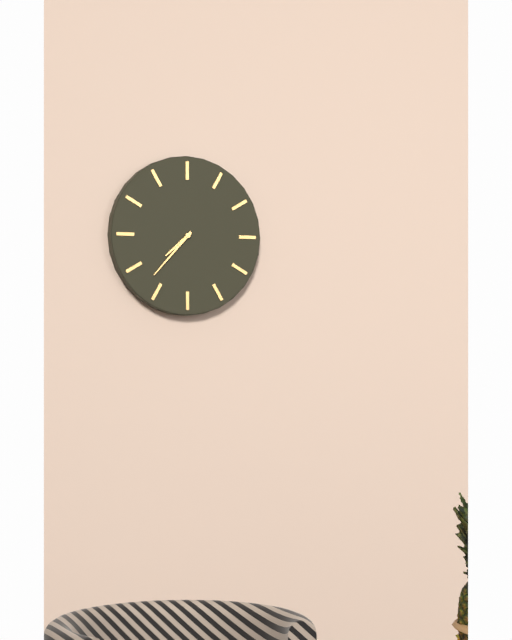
7:37
